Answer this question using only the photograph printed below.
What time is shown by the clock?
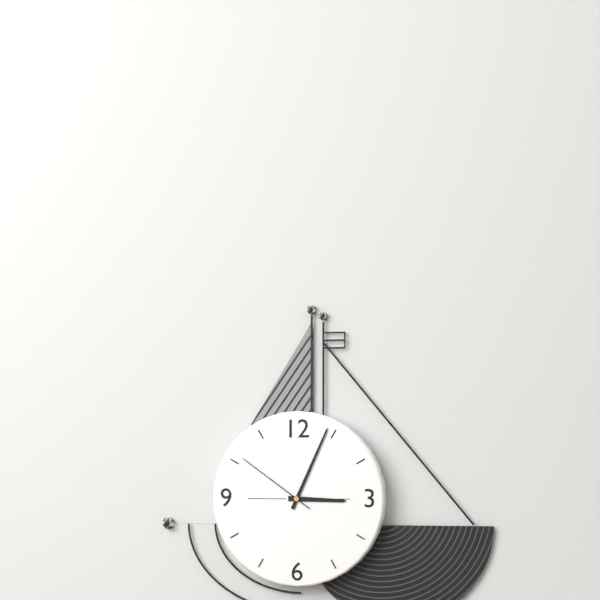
3:04:51
